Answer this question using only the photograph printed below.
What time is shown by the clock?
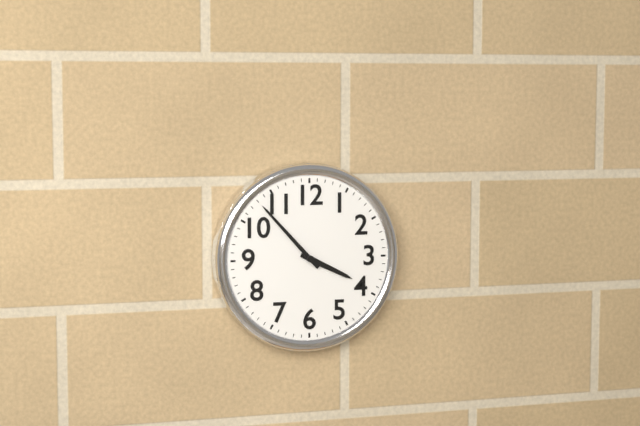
3:53
